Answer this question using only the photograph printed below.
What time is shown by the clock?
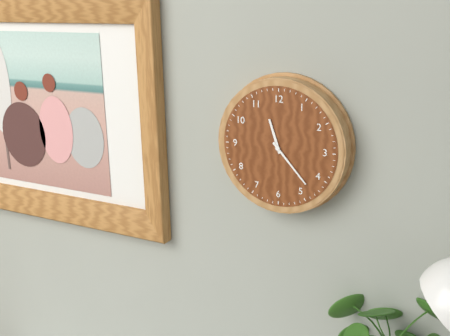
11:23
